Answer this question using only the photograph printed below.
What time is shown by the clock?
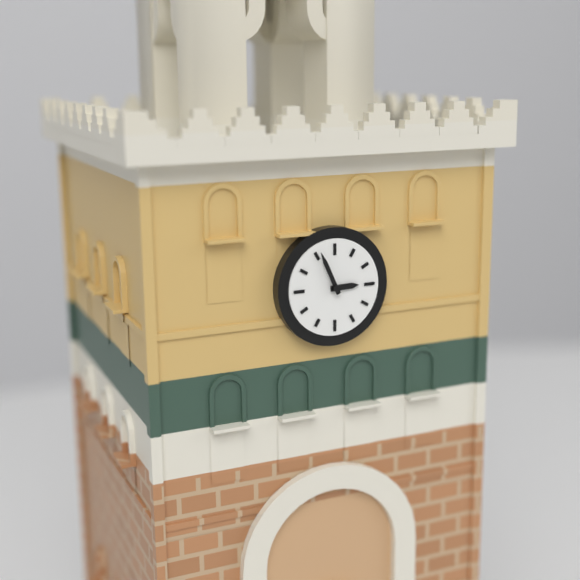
2:56
